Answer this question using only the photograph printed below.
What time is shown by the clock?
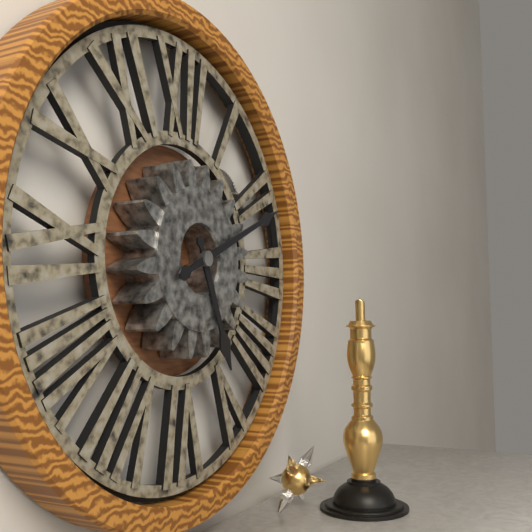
5:11
